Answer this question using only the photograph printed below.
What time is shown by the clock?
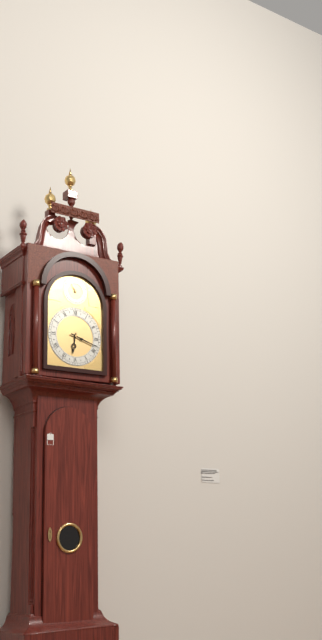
6:18
